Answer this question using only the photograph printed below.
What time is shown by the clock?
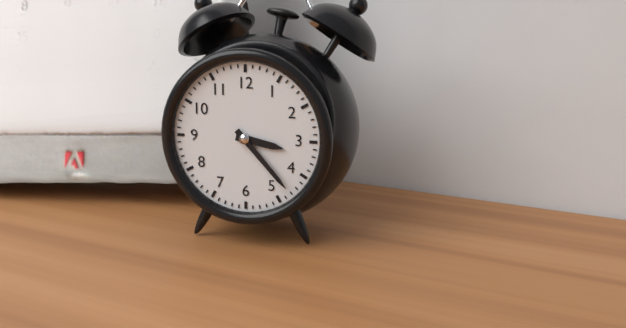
3:23
